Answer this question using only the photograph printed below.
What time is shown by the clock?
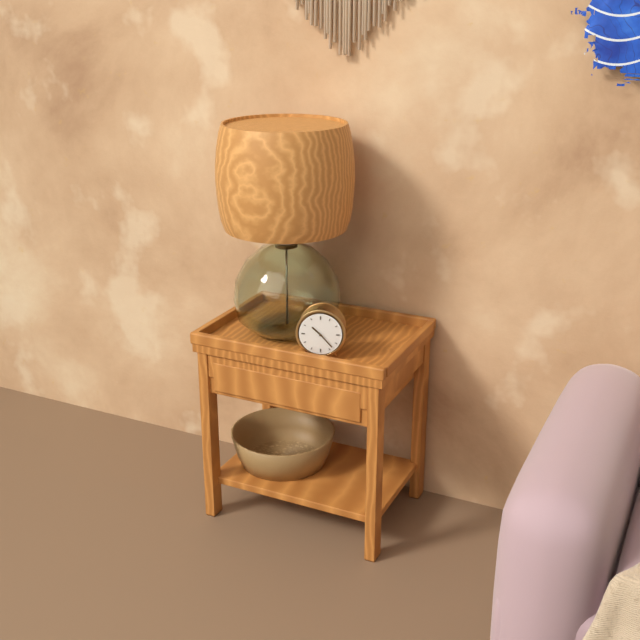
10:23
